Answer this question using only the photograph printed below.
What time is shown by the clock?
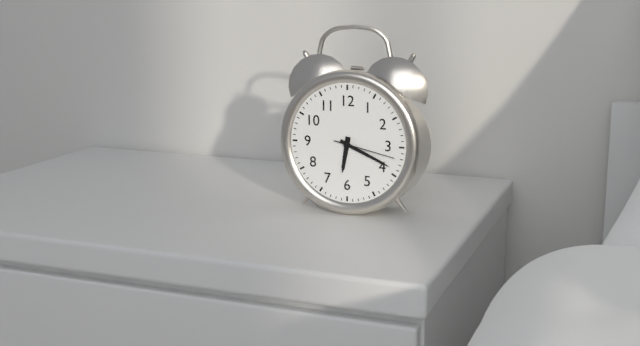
6:19:17
